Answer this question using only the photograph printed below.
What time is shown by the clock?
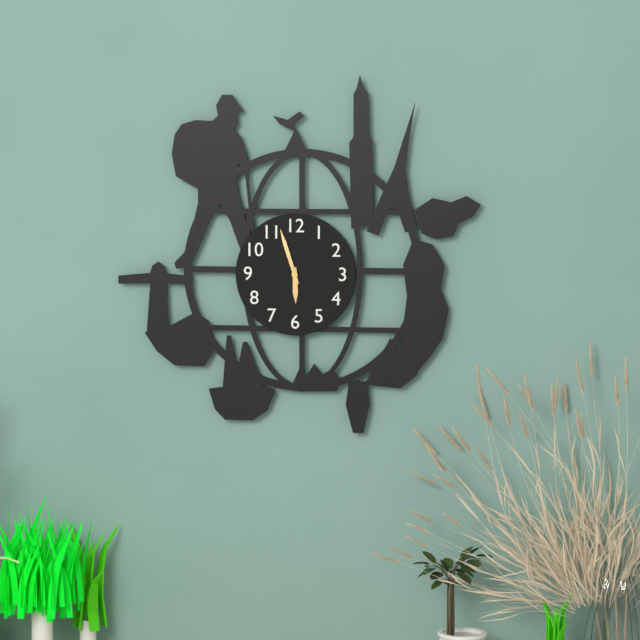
5:57
